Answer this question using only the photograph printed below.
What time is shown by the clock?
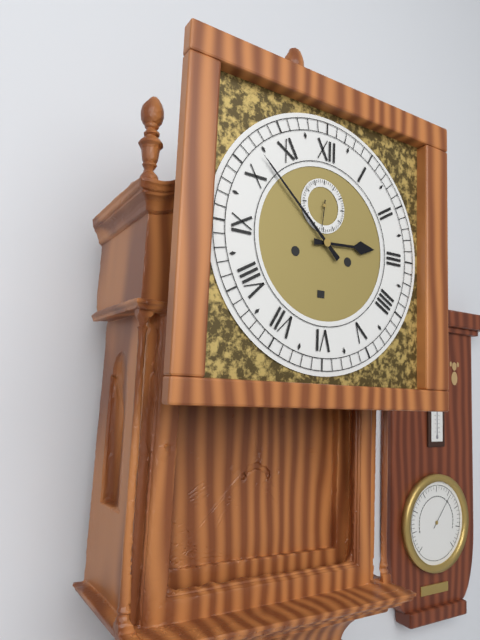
2:52
